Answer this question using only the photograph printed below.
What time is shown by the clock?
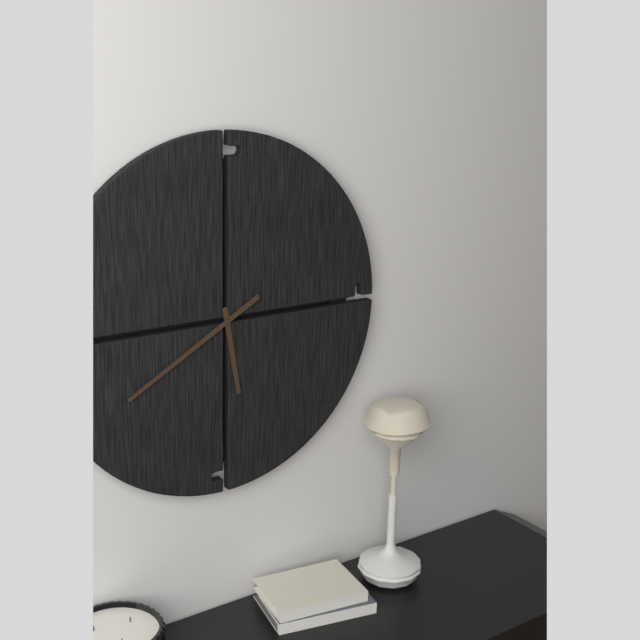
5:40
